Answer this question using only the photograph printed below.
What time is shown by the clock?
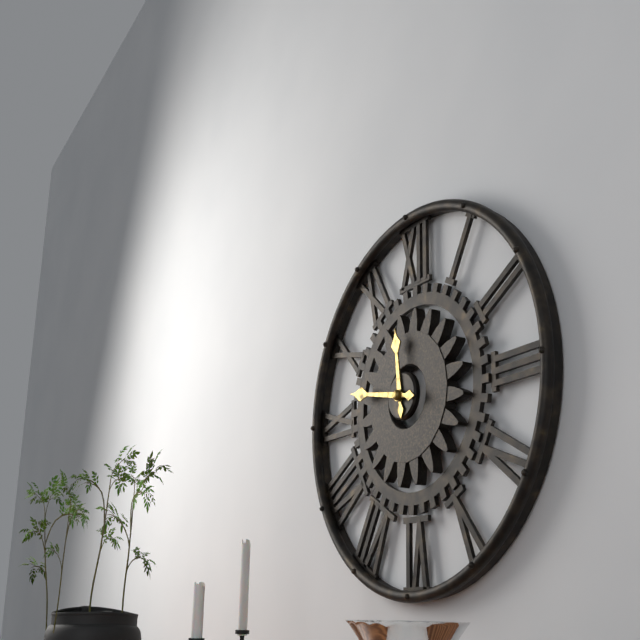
11:47
